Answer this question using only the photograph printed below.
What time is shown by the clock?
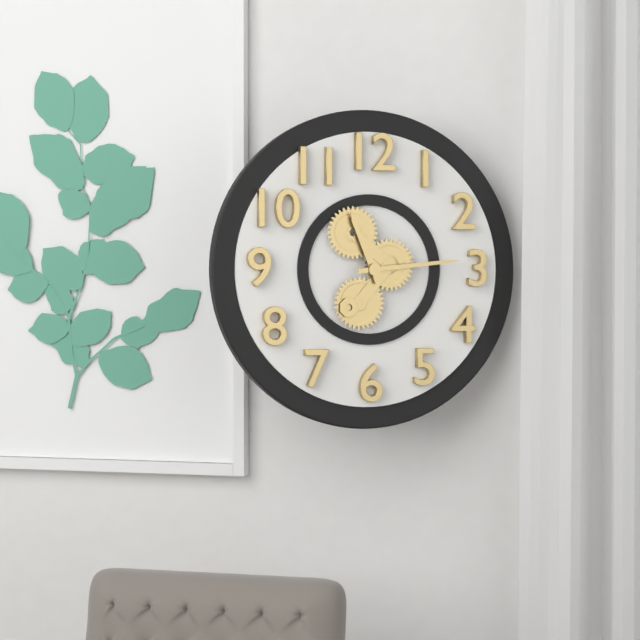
11:14
